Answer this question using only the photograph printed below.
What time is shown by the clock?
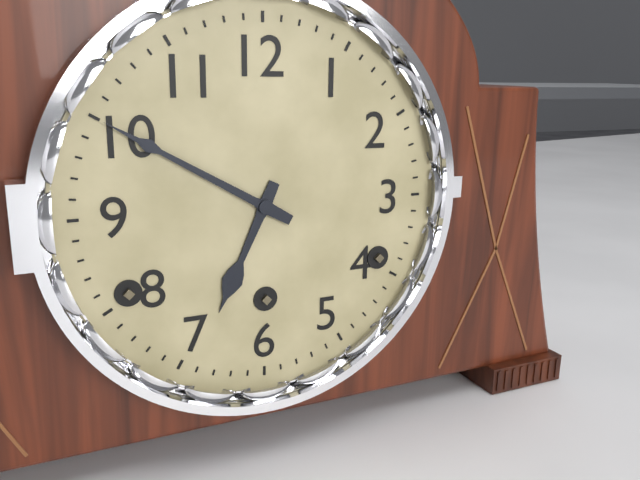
6:50
